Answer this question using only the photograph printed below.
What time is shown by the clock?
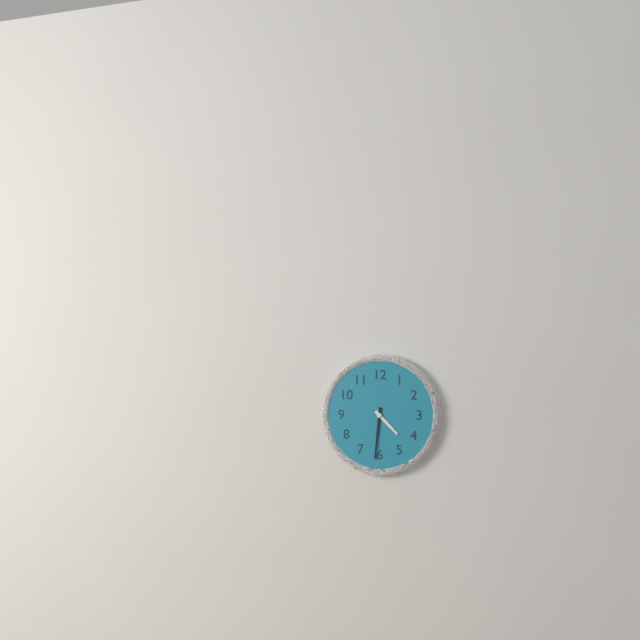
4:31
